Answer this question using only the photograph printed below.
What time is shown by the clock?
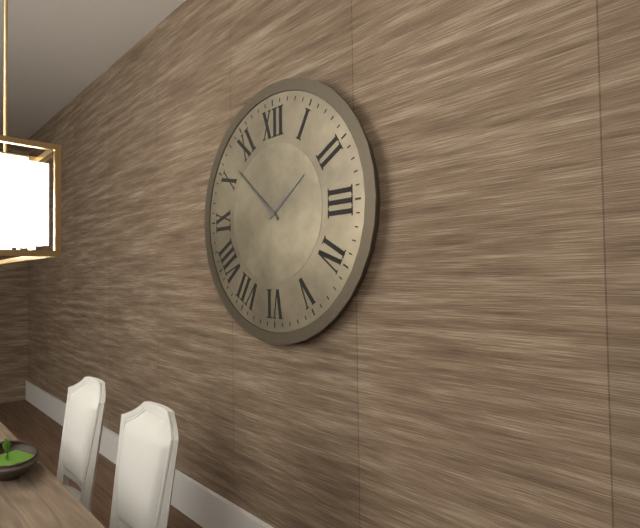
1:52
